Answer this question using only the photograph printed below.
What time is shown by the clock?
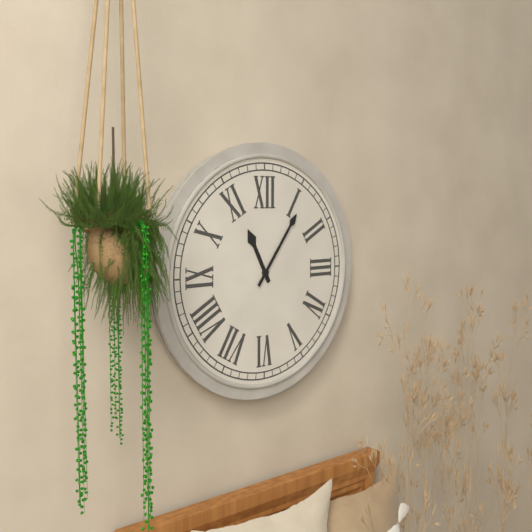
11:06
